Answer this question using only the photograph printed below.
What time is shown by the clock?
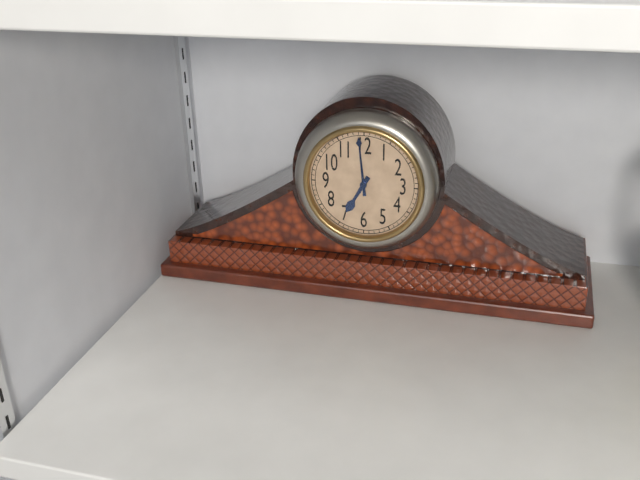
6:59
